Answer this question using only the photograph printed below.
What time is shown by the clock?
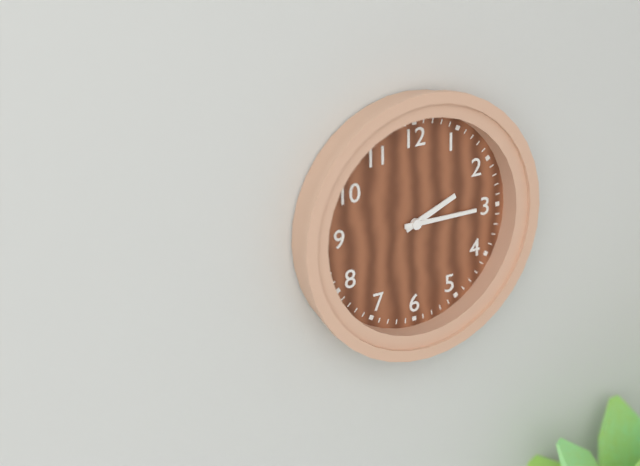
2:15
